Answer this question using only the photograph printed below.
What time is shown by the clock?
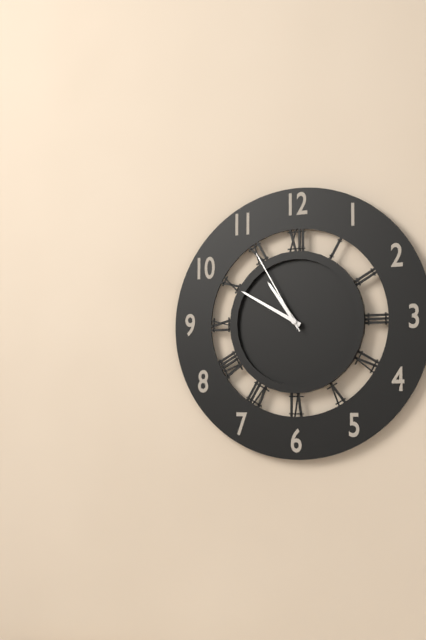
10:50:55
